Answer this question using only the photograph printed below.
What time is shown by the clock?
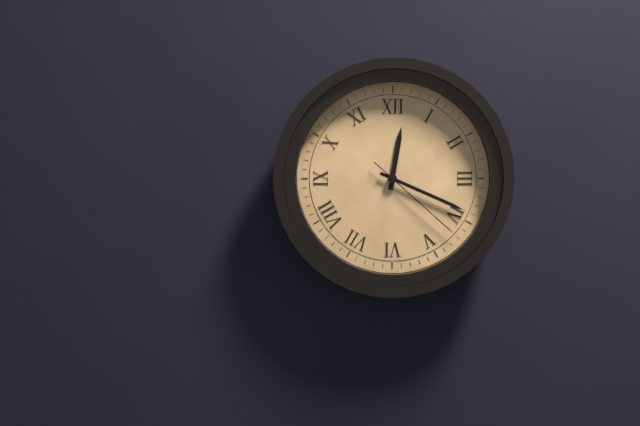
12:19:22
